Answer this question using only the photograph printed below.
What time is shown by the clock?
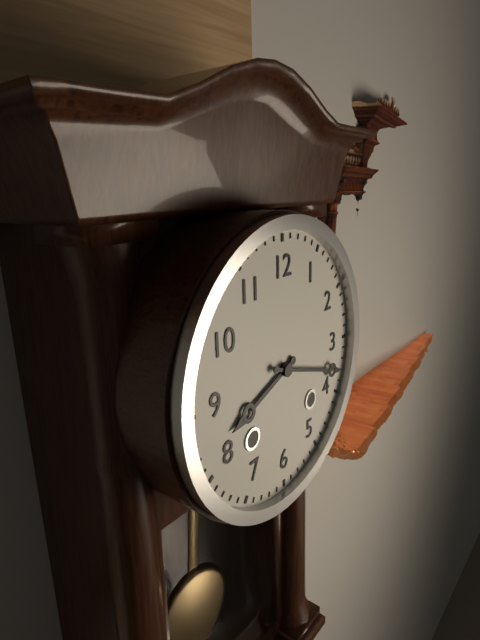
8:18
